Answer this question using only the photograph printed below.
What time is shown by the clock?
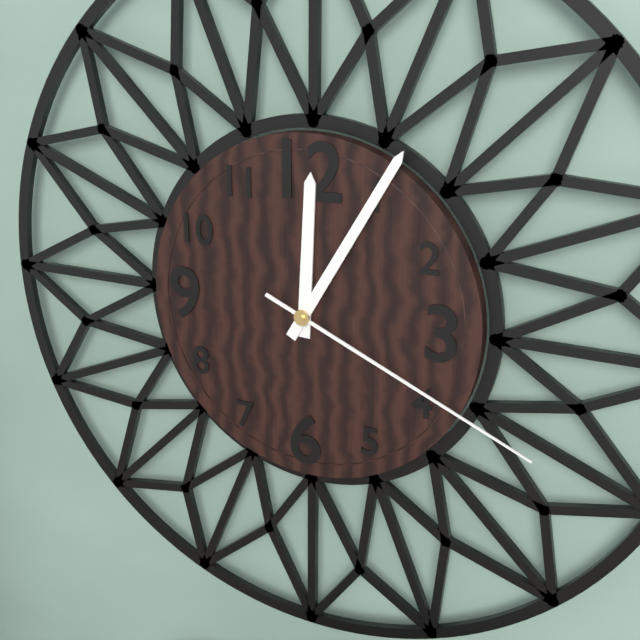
12:05:19
